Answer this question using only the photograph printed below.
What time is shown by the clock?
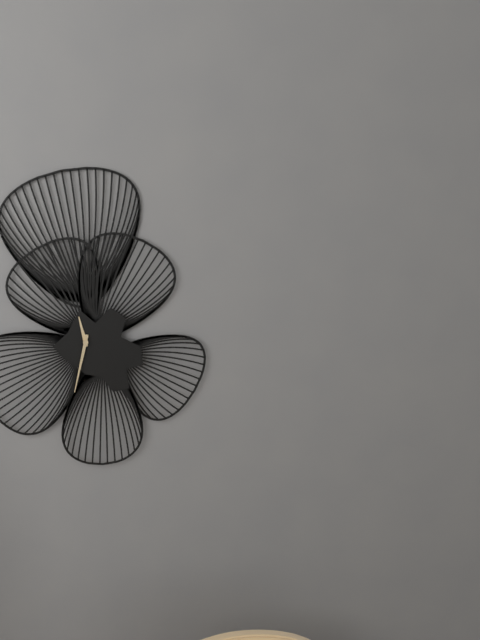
11:32
